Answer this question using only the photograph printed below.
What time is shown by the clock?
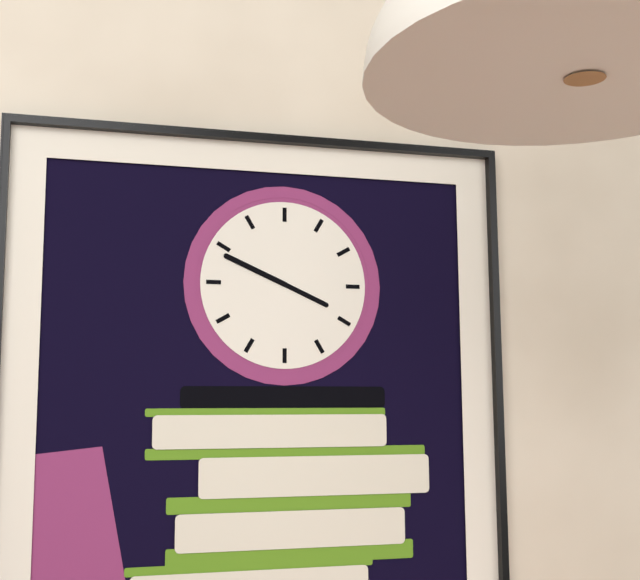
3:49
